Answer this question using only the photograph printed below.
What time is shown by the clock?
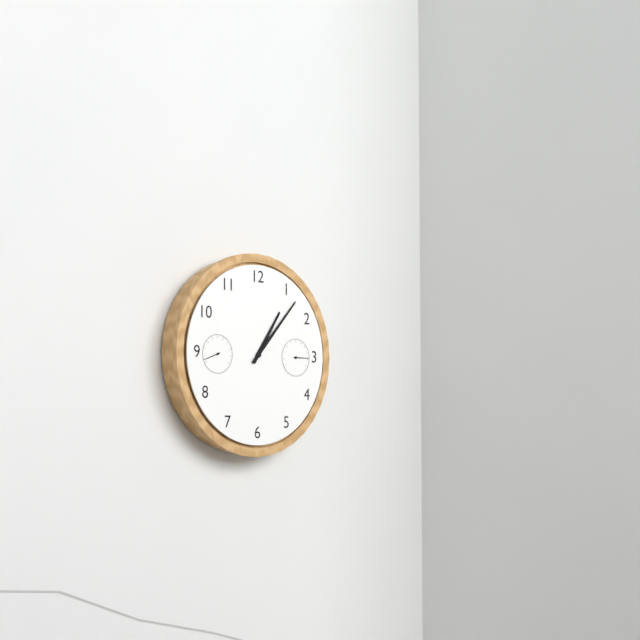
1:07
